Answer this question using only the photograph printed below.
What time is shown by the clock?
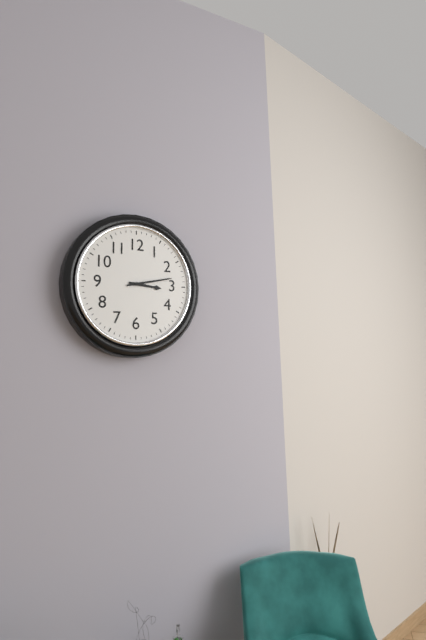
3:13
